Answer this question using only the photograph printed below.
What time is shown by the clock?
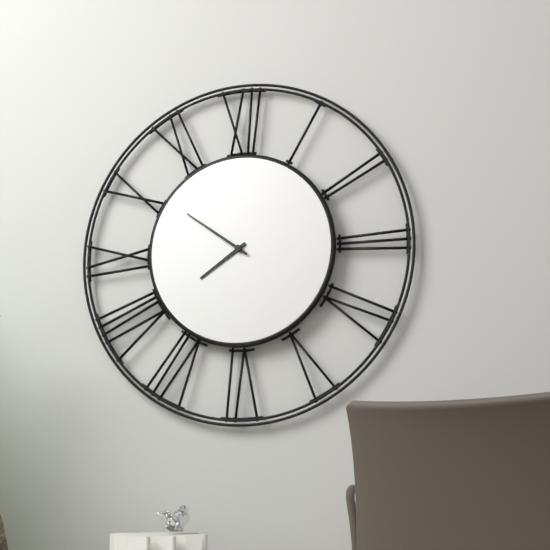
7:51
